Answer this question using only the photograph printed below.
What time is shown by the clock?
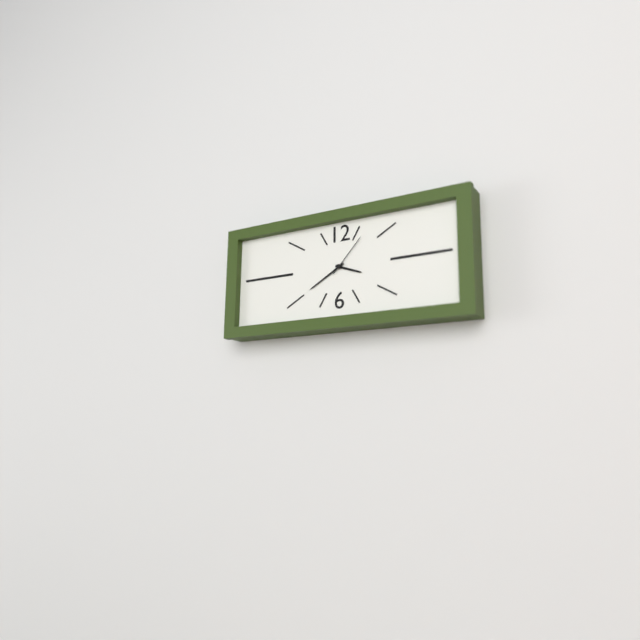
3:40
